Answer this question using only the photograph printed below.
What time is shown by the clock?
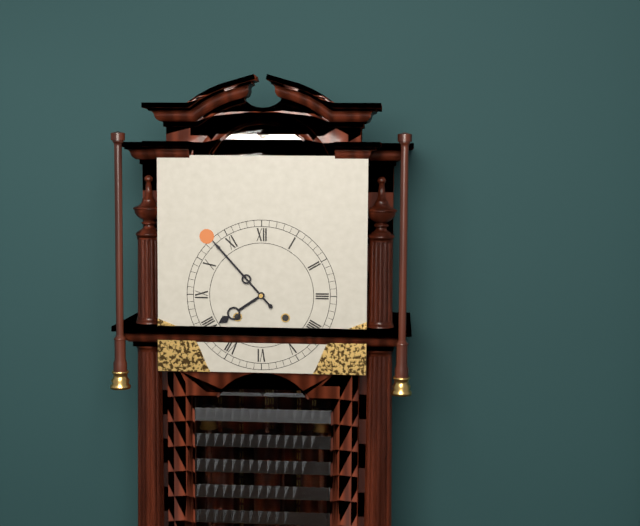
7:53
